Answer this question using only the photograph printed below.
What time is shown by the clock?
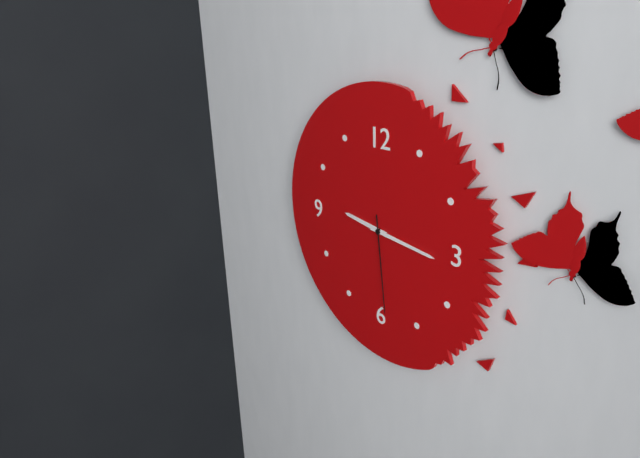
9:16:29
